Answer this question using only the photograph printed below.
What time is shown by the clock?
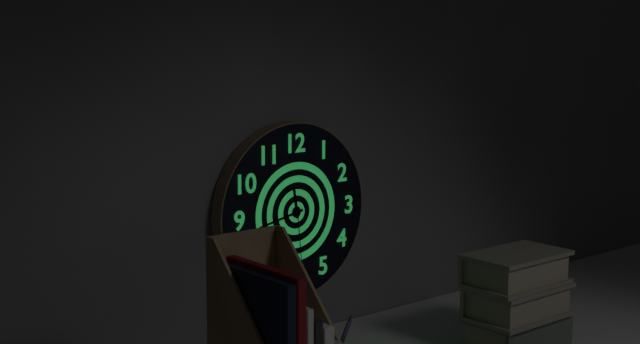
11:43:29
